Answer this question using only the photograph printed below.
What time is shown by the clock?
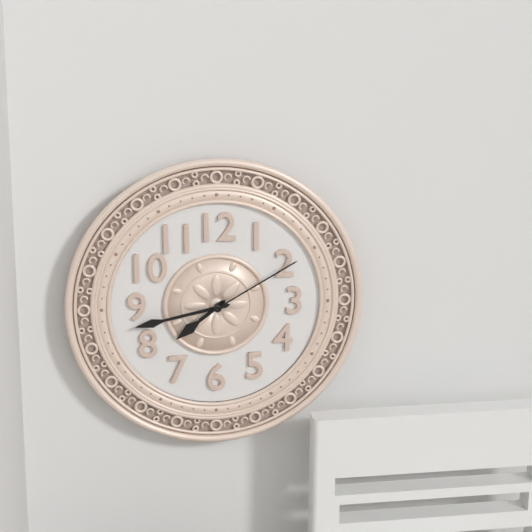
7:43:10
